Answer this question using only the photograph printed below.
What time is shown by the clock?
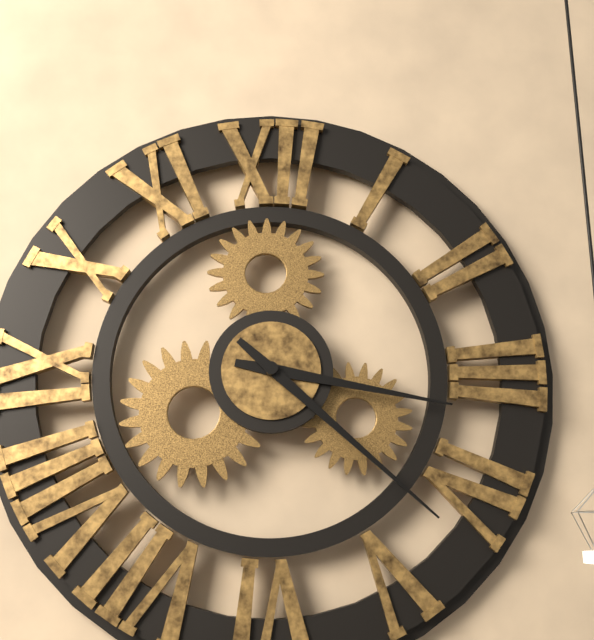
3:22
